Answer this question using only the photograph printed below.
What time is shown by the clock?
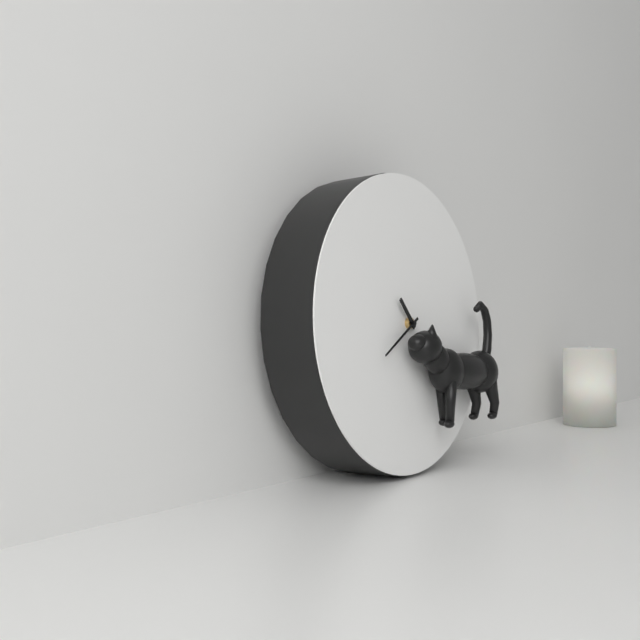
10:40
